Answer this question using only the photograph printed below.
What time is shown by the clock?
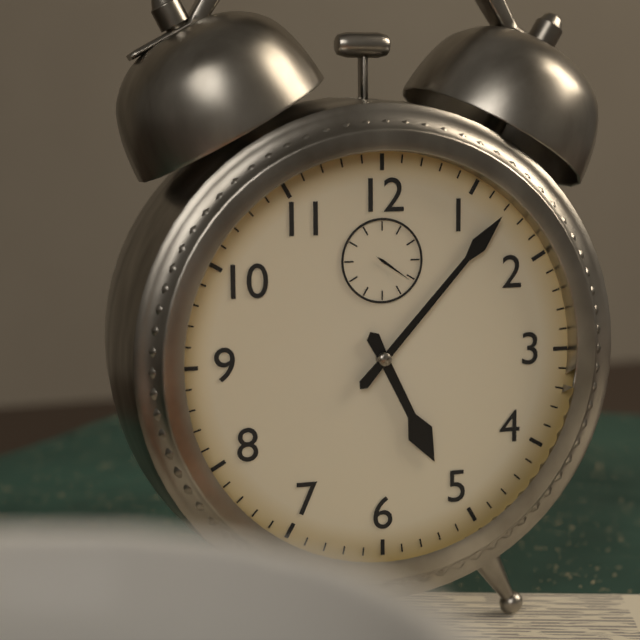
5:07
